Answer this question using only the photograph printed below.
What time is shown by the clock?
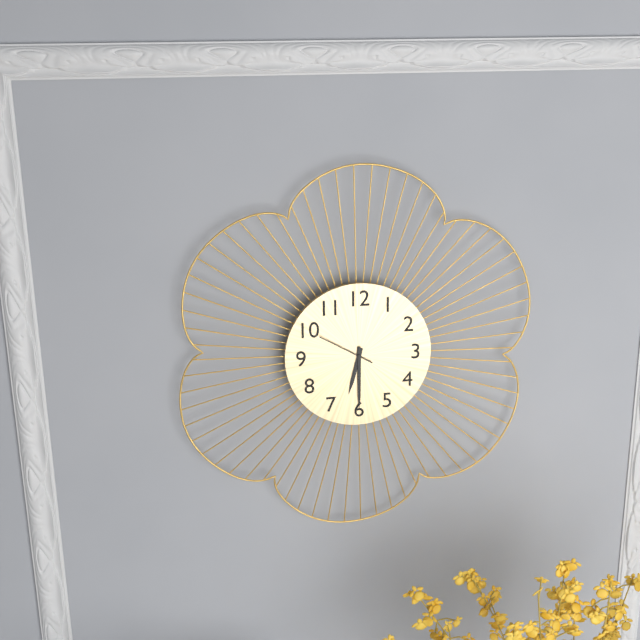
6:30:50
